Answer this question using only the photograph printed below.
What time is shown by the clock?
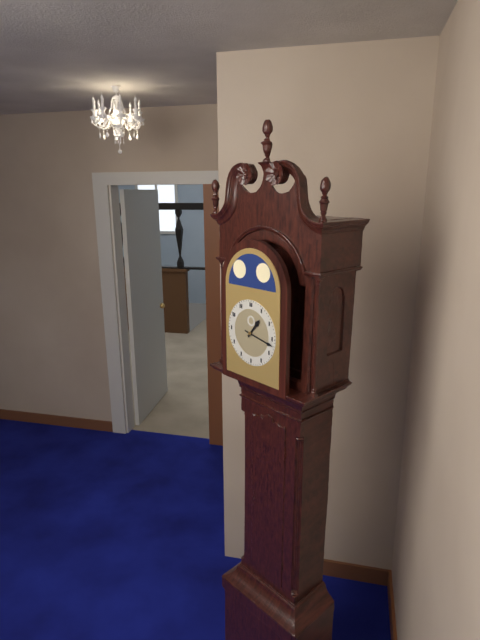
1:17
